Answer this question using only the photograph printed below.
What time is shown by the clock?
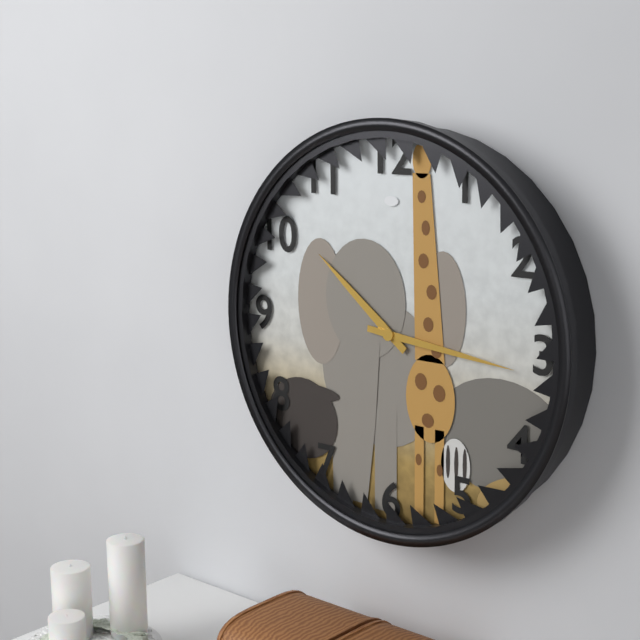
10:16
